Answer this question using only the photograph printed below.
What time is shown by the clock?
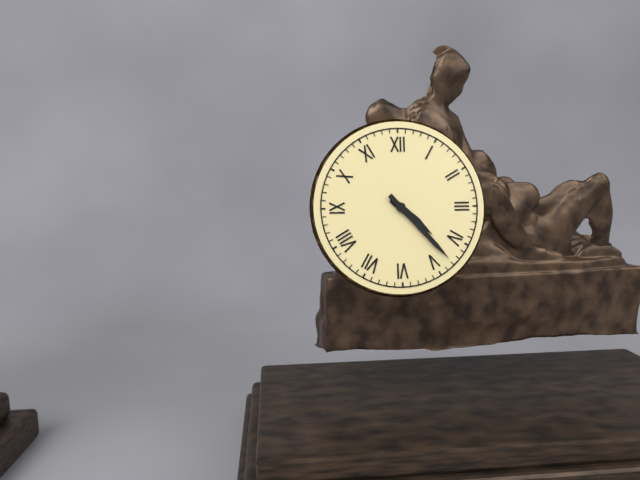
4:23
